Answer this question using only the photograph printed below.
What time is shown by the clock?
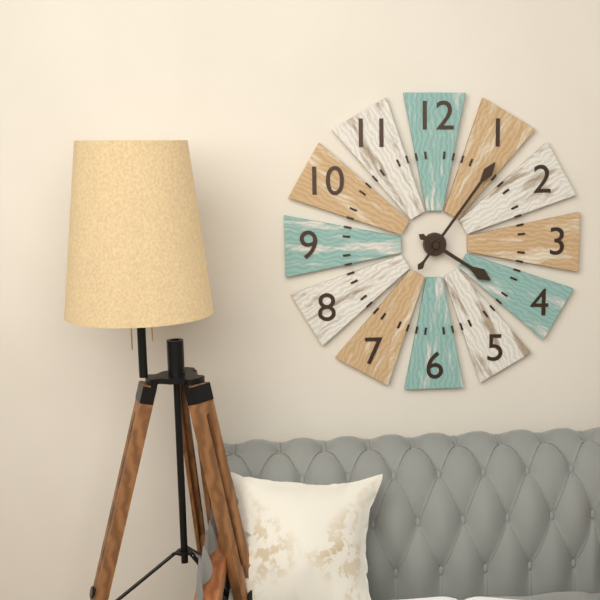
4:06
